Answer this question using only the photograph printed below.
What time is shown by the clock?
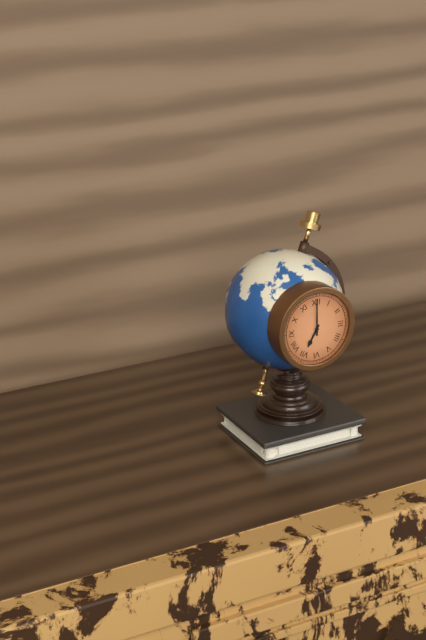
7:00
